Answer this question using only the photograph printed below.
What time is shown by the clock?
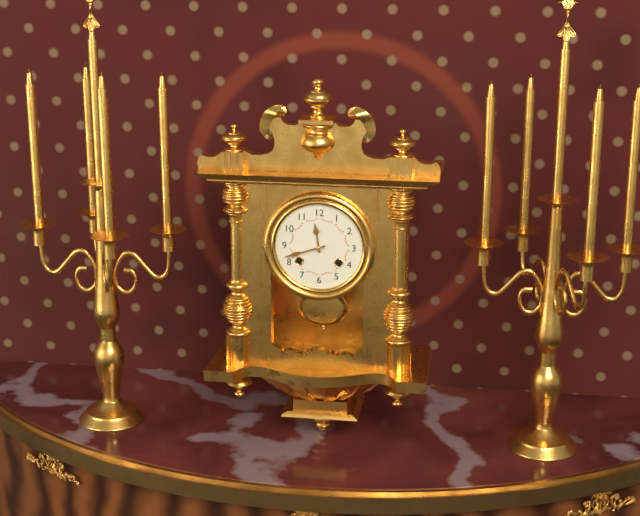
11:42
